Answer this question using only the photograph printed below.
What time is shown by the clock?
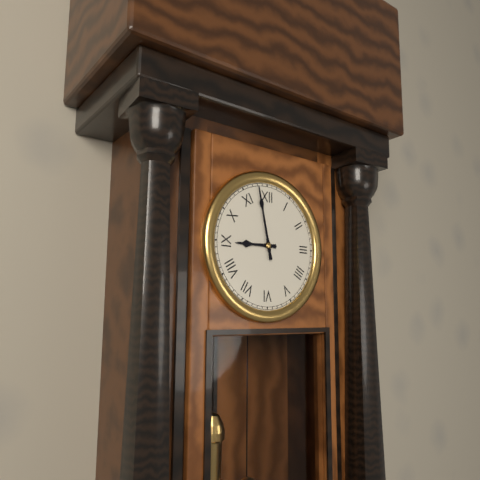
8:58
